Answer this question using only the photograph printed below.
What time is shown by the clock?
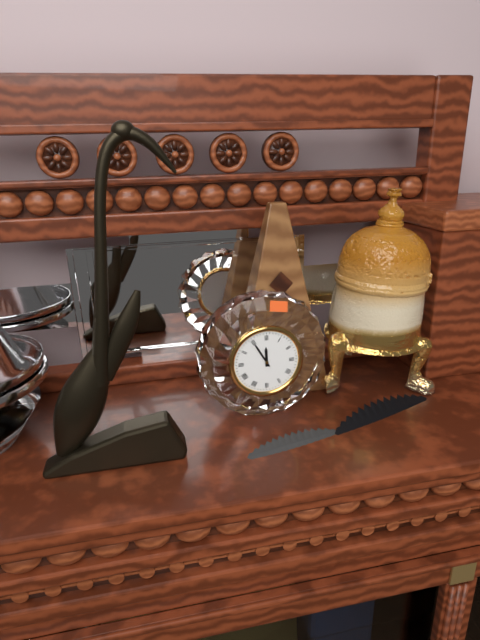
11:55
